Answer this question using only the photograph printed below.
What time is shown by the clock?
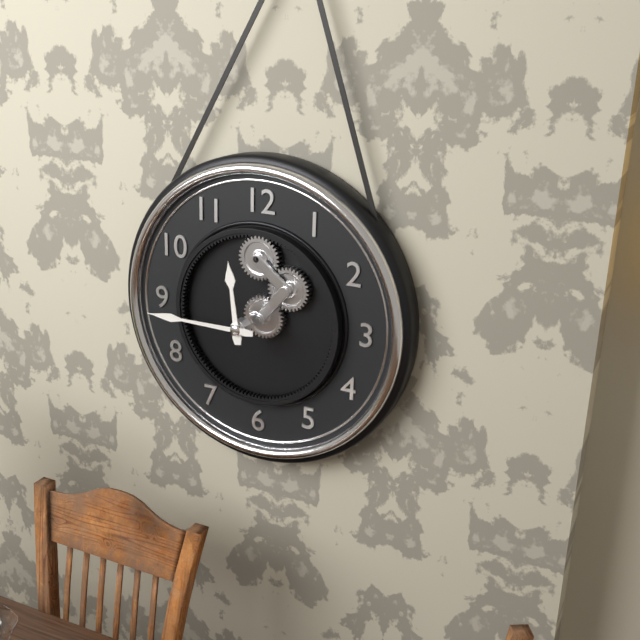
11:45
